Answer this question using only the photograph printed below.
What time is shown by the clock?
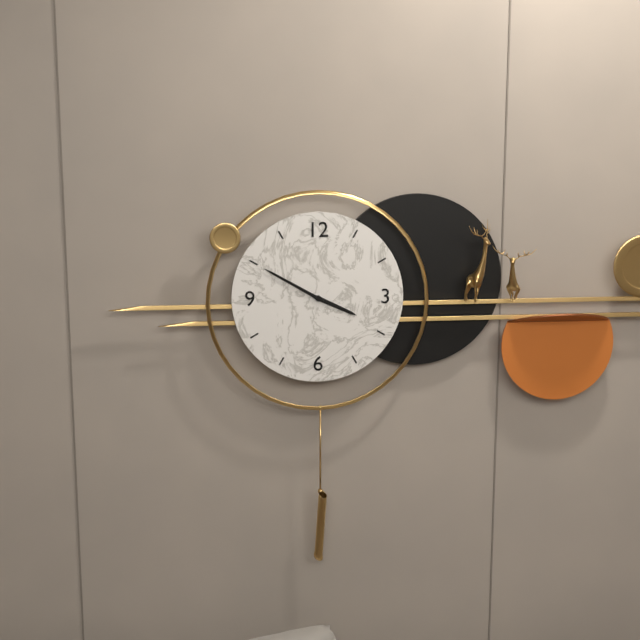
3:50
